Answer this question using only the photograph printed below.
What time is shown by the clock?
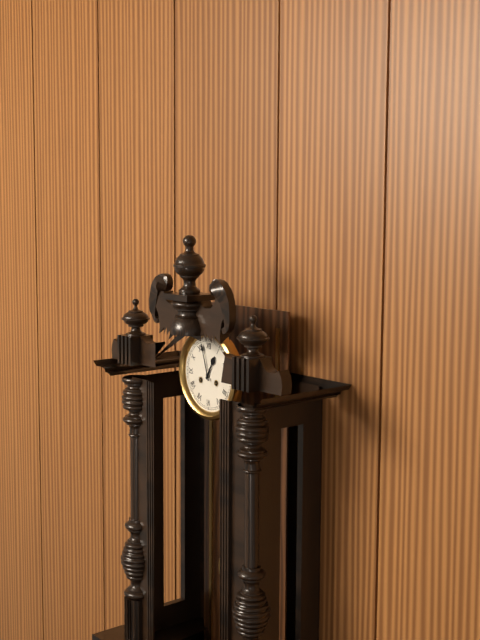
12:57
